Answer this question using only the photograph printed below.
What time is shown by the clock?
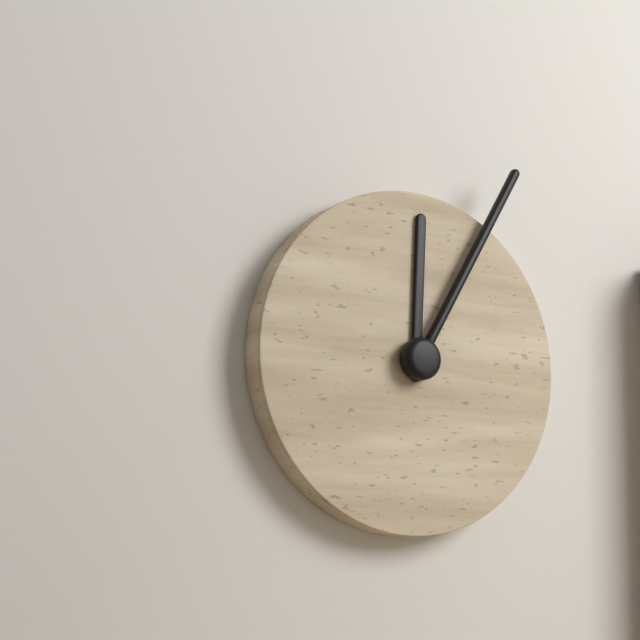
12:05
